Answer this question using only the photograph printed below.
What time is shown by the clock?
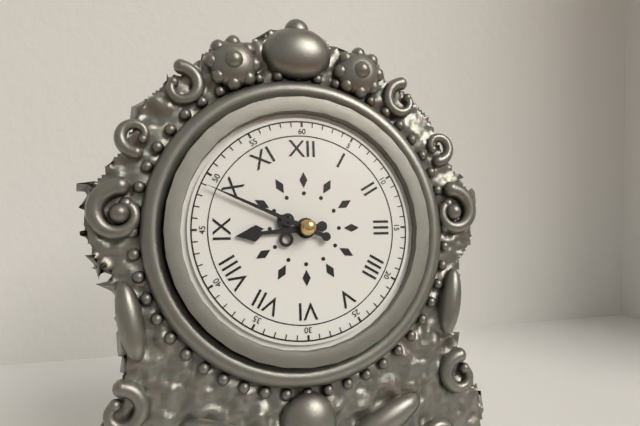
8:49
